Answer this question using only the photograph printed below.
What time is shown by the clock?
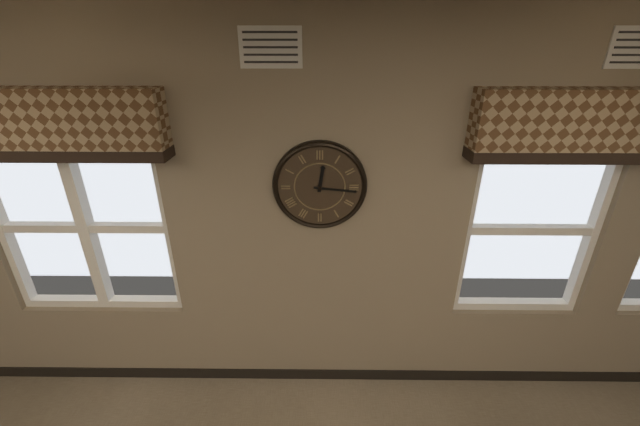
12:16
